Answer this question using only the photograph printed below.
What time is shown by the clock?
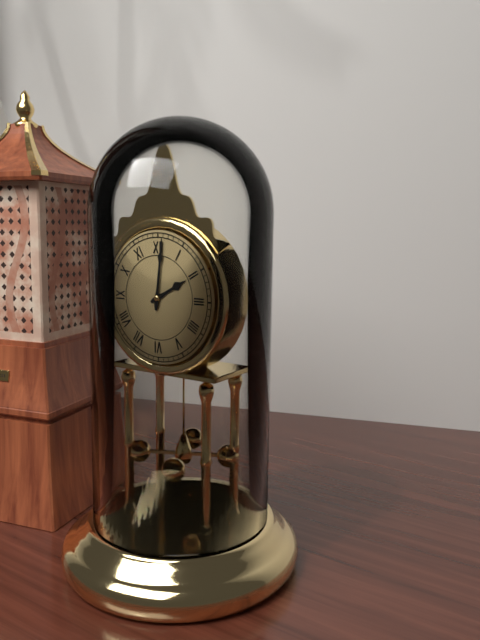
2:01
